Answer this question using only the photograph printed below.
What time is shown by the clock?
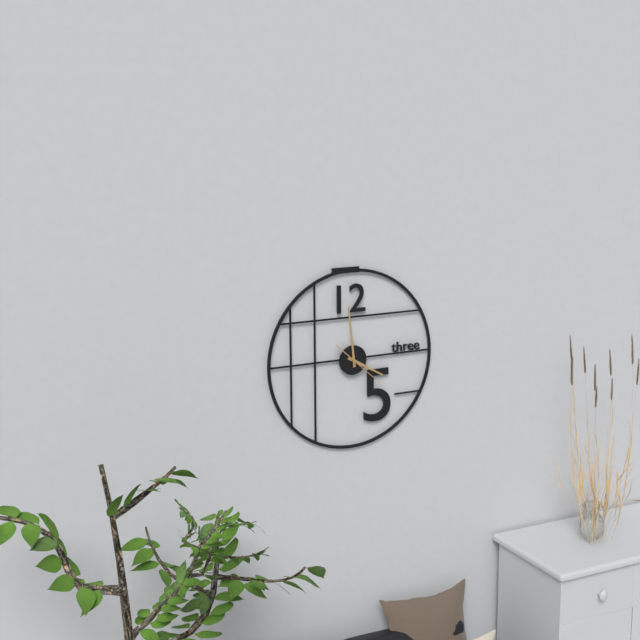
3:59
